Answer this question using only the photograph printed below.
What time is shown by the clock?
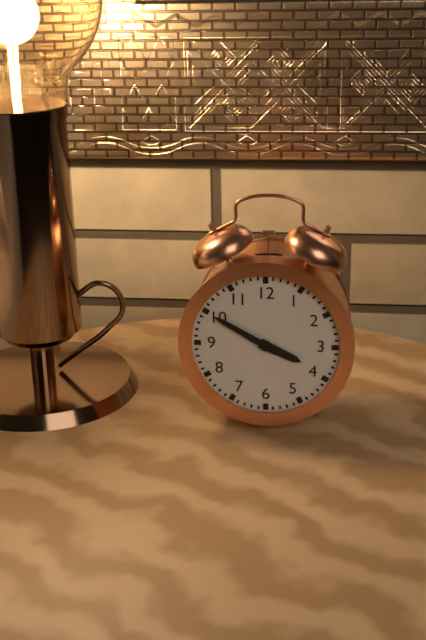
3:50
